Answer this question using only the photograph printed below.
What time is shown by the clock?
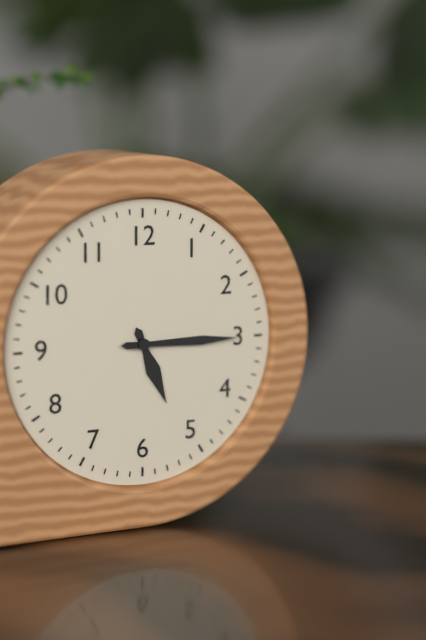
5:15
